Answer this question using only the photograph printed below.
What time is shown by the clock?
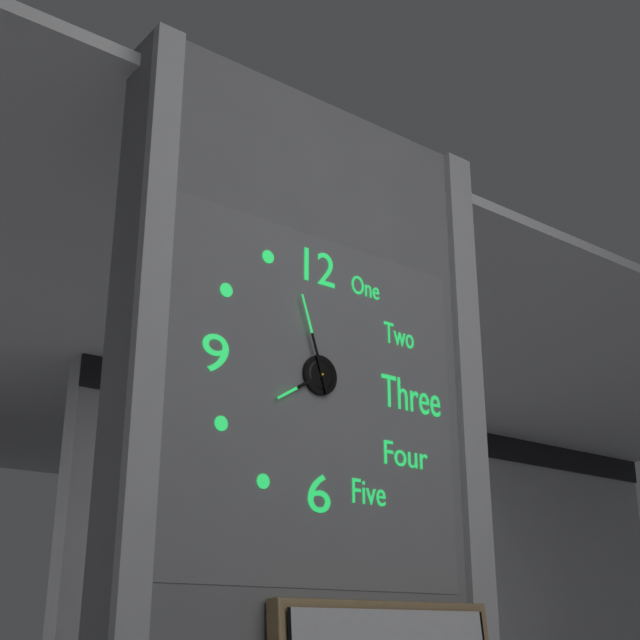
7:57
